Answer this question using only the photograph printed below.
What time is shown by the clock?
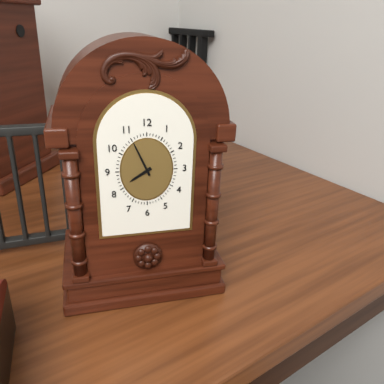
7:56
